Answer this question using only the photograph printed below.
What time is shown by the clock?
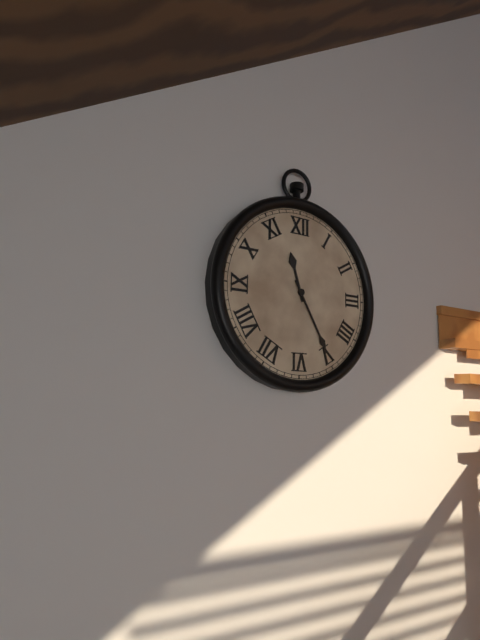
11:25
